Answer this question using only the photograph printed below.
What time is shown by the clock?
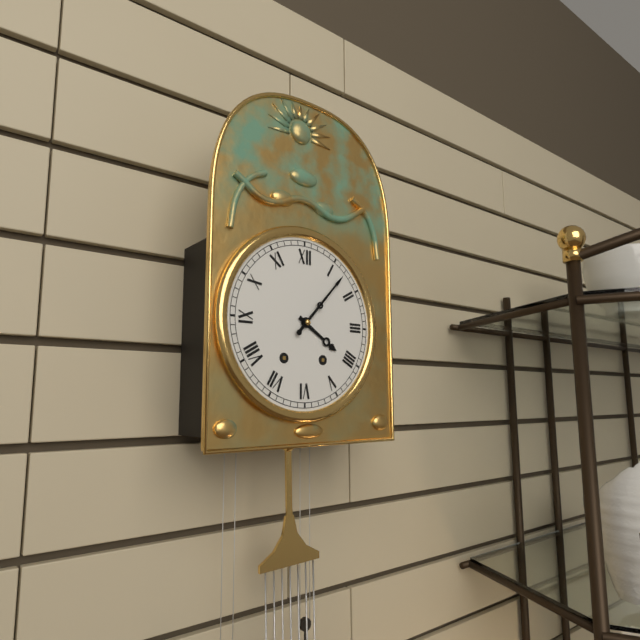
4:07
